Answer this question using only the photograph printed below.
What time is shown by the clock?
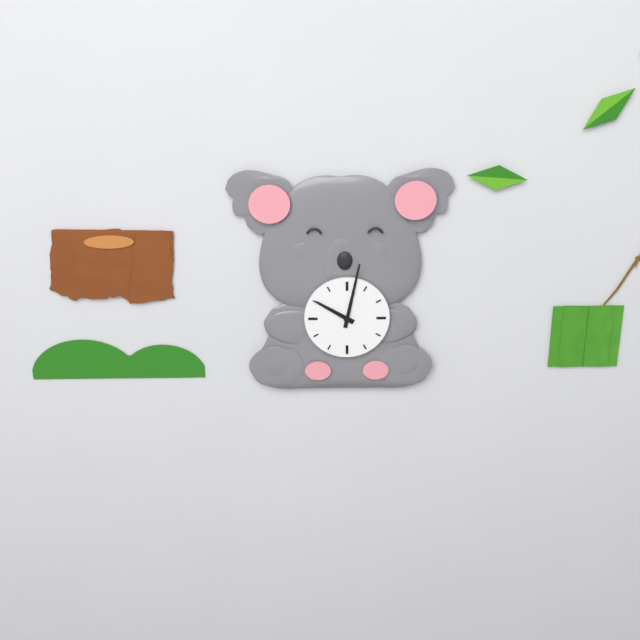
10:02
